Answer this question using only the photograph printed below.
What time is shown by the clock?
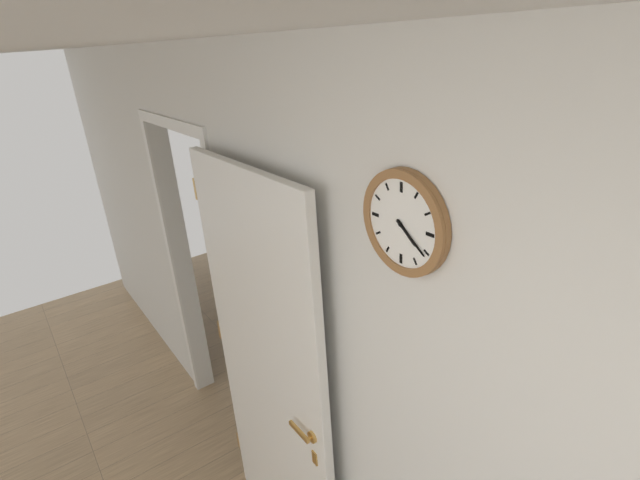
4:21
